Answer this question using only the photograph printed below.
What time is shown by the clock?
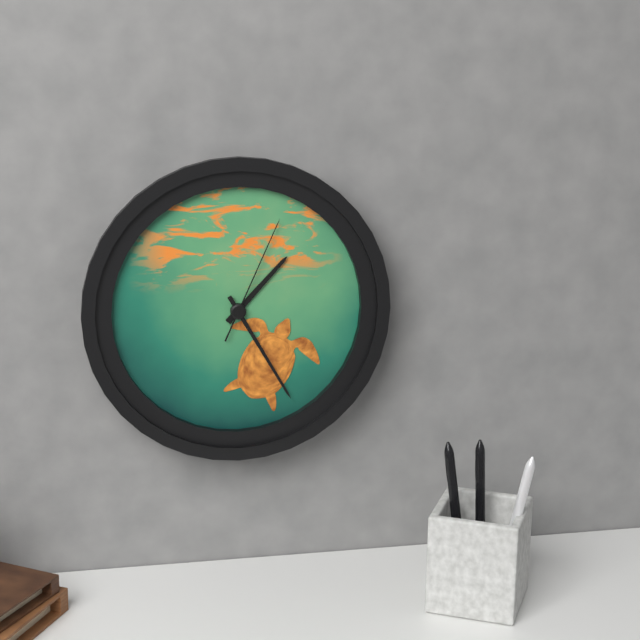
1:25:04
